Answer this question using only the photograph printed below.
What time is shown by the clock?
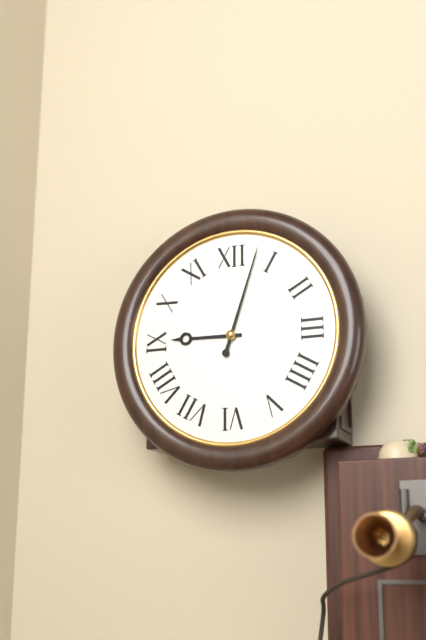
9:03
